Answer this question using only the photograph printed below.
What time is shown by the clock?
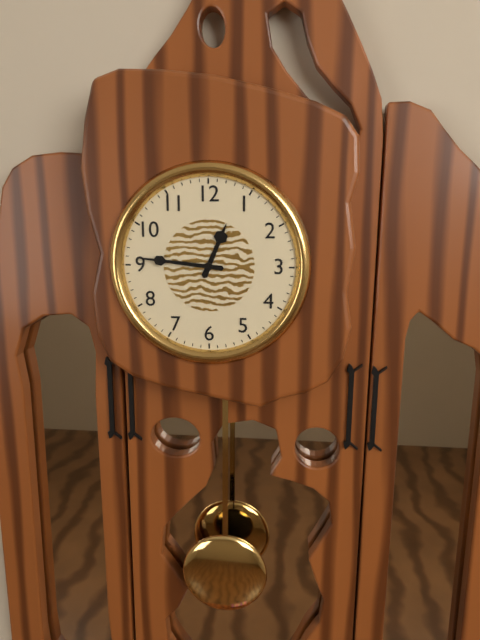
12:46
